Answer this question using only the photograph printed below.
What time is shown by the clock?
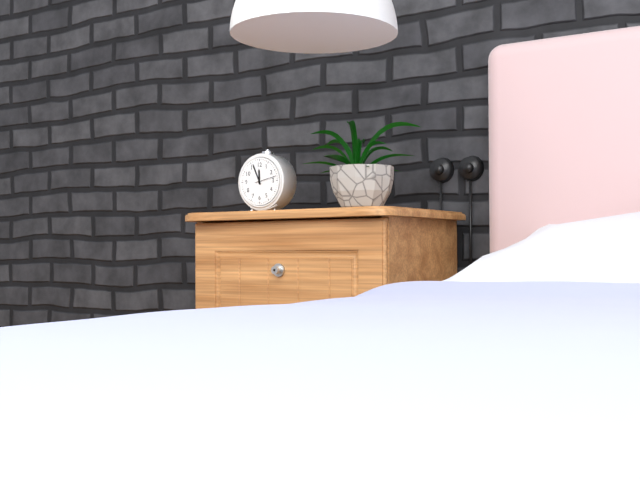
11:56
